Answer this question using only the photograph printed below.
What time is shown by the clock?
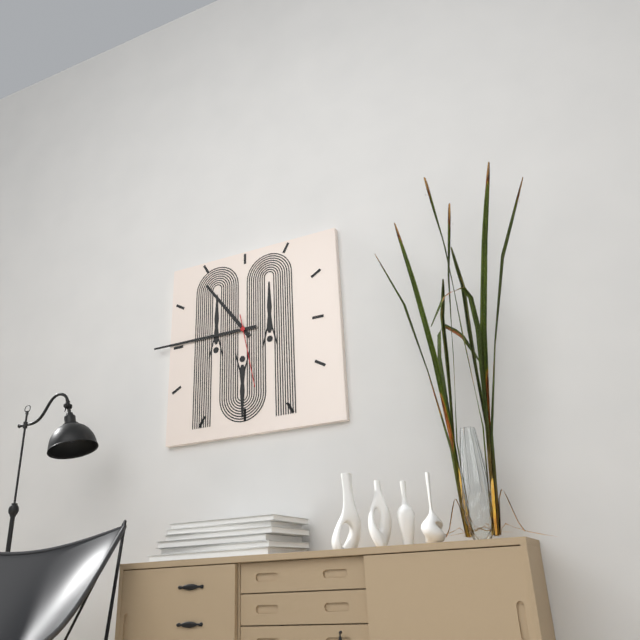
10:45:28
